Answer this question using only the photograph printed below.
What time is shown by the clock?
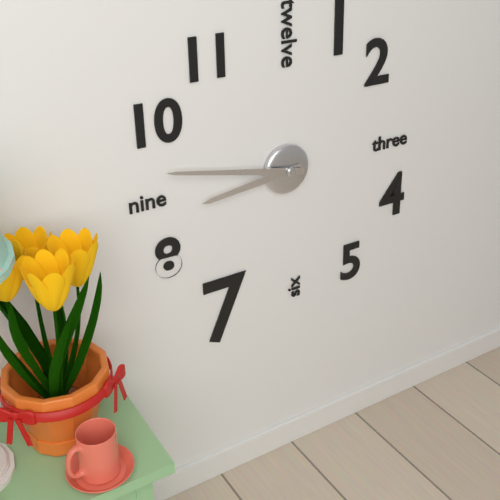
8:47
